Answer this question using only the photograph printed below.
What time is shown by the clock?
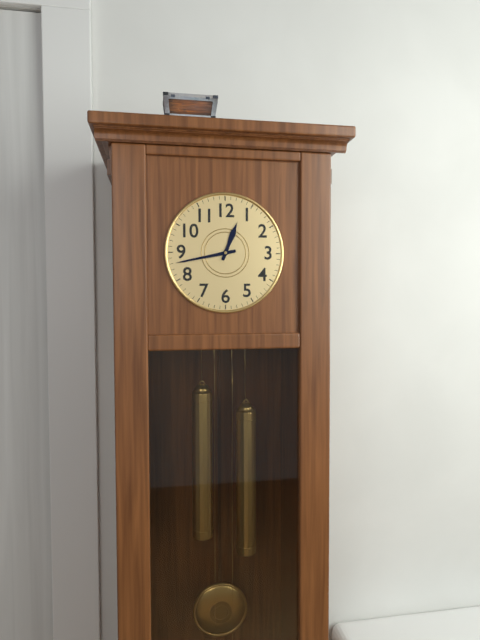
12:43
